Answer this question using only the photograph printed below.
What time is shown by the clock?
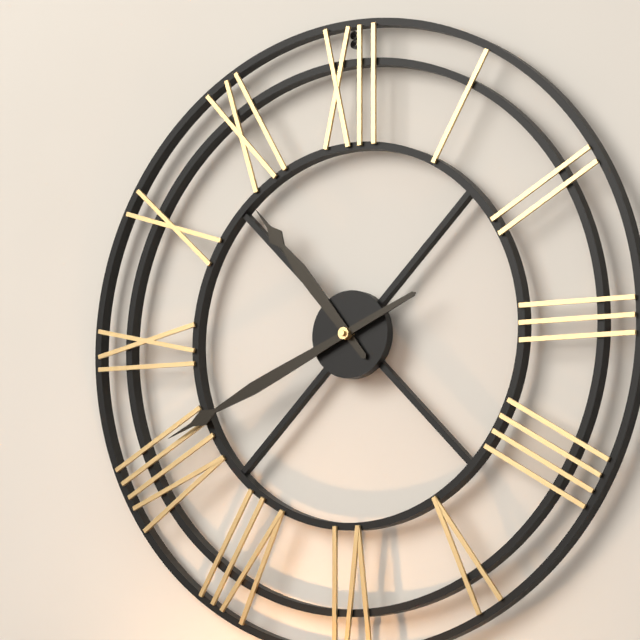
10:41
